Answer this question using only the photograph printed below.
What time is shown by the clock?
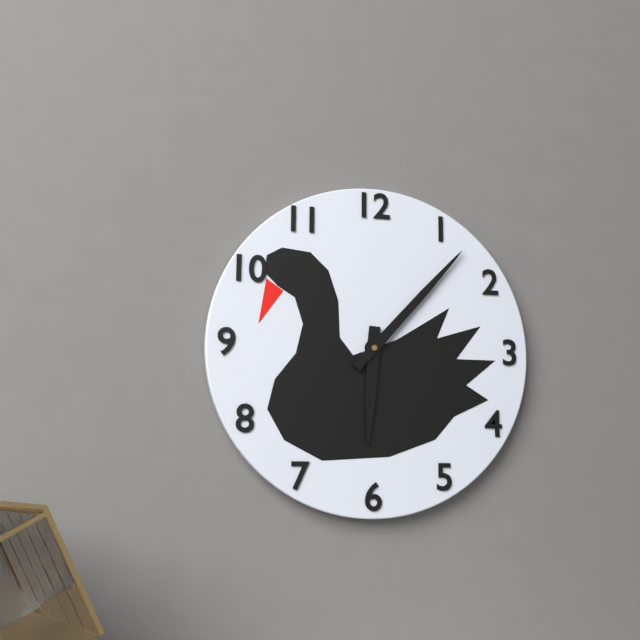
6:07
